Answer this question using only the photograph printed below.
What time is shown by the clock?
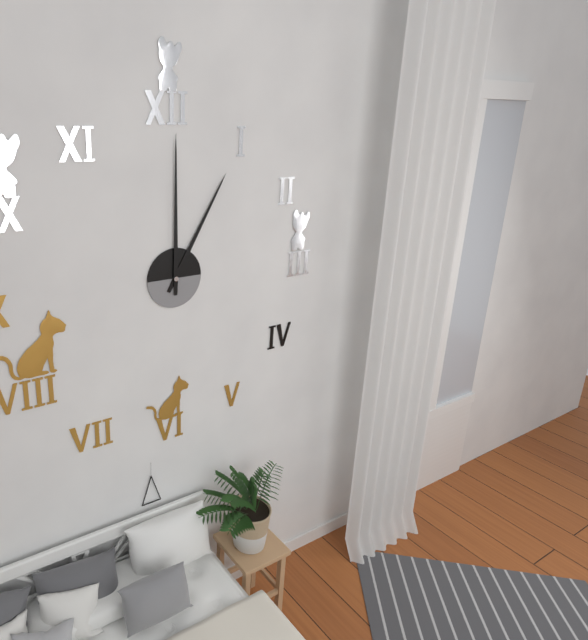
1:00
